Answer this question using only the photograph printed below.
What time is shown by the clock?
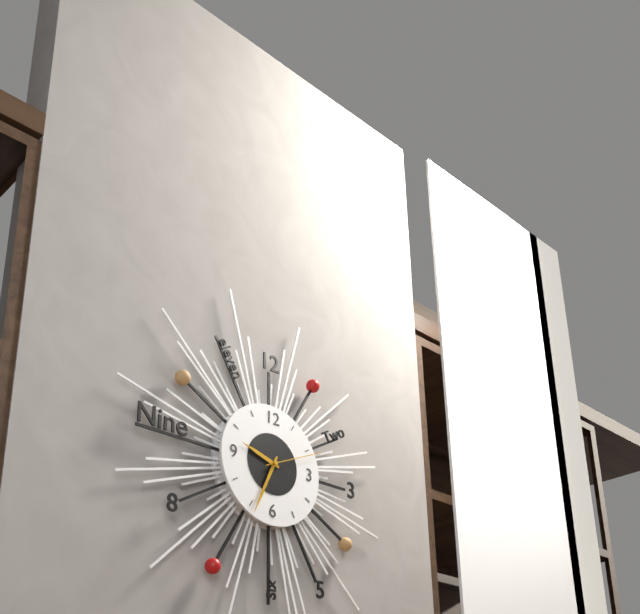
9:34:11
